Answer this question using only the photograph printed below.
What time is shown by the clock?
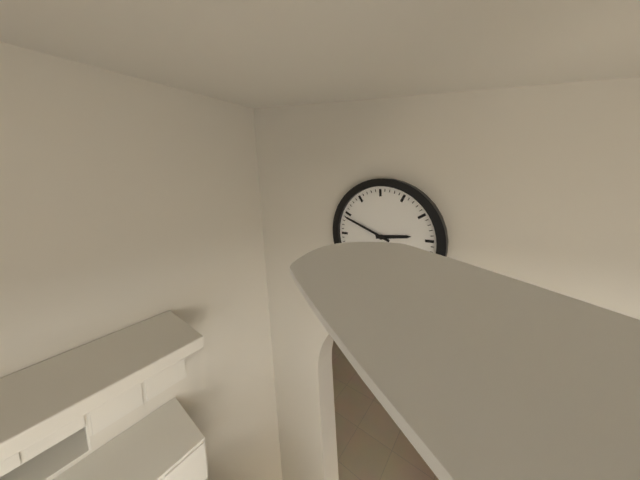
2:49
